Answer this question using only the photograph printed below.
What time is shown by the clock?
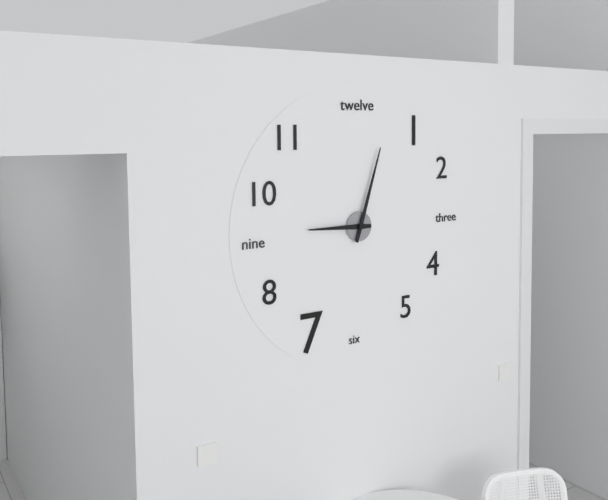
9:03
